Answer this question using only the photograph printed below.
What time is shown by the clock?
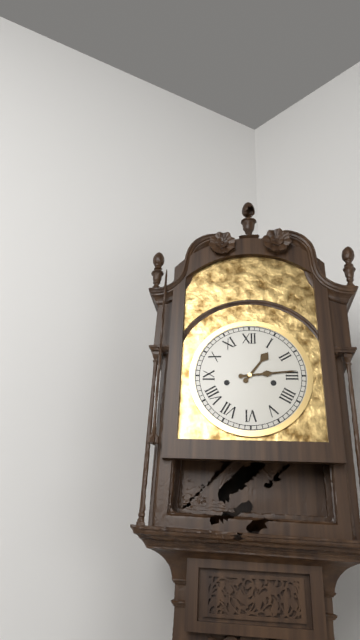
1:14
